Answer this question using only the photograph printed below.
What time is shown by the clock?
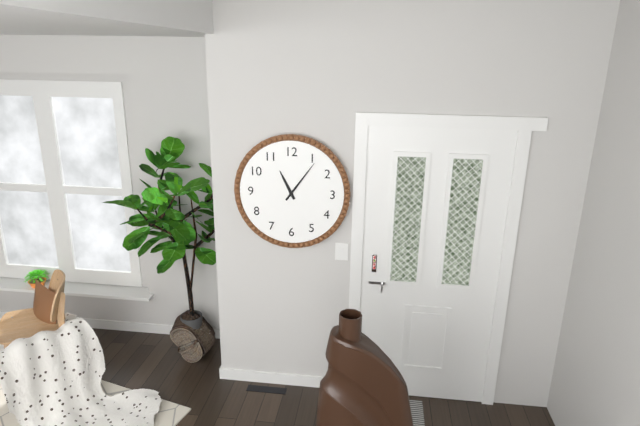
11:06
